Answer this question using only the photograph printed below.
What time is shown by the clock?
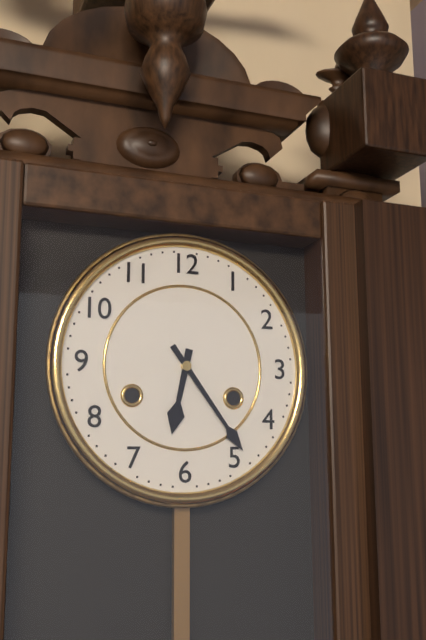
6:24
